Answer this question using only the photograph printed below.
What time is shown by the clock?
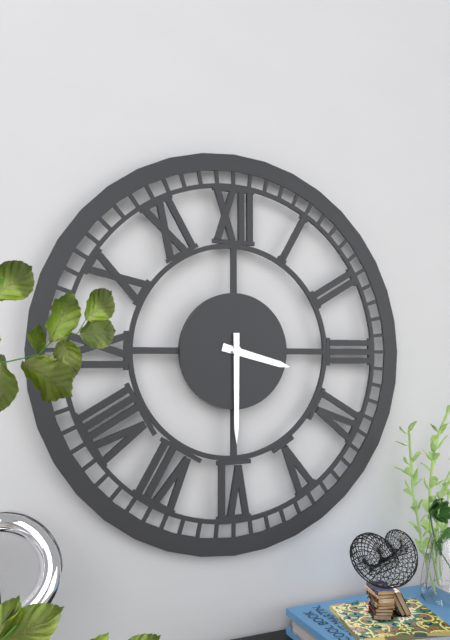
3:30
